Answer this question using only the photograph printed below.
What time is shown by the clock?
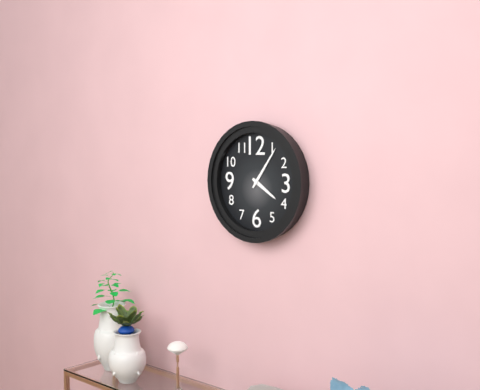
4:06
